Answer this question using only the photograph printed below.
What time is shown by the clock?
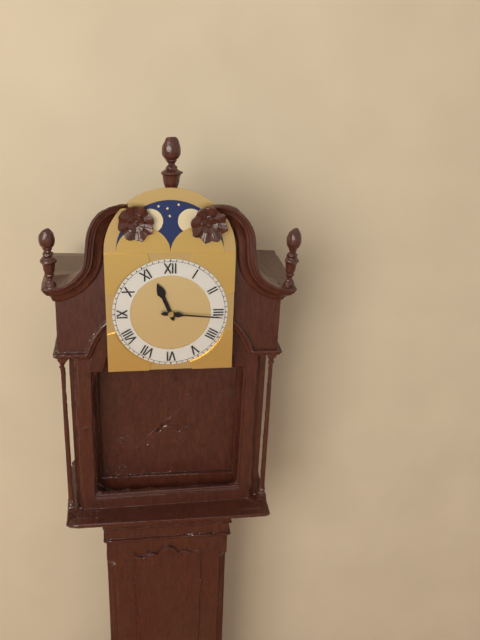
11:16
